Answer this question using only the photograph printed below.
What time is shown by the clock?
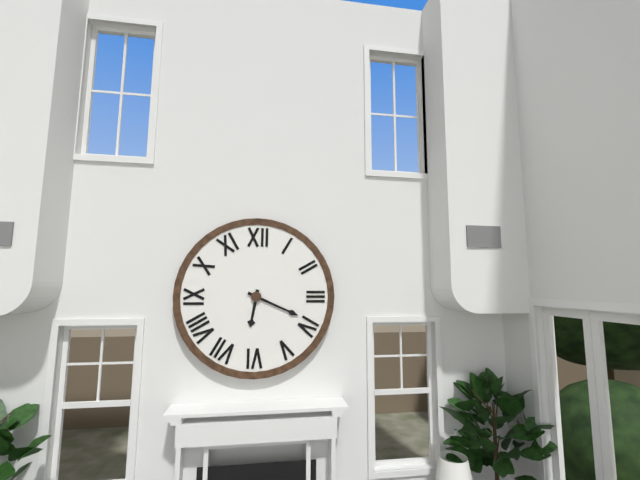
6:19
